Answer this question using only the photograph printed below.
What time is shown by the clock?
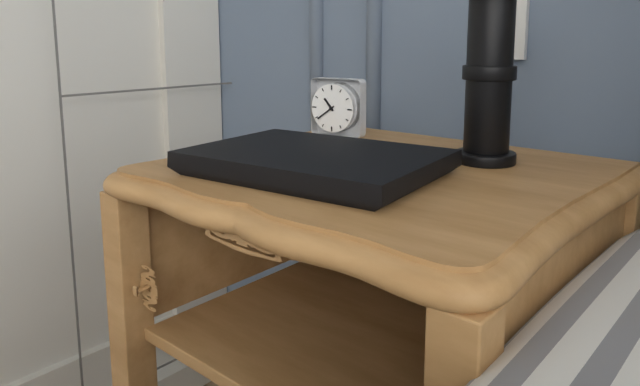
10:39
